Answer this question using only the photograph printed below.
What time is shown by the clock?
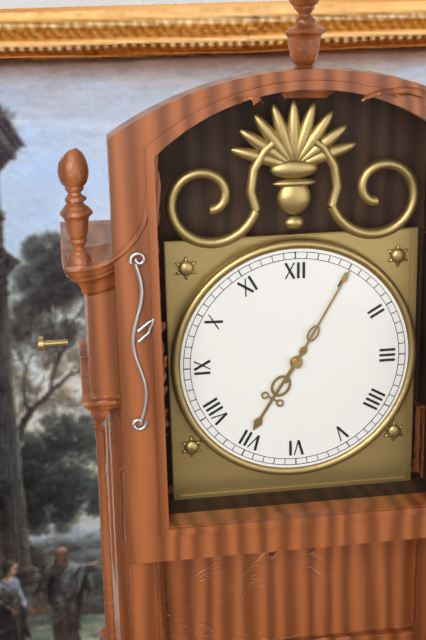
7:05
